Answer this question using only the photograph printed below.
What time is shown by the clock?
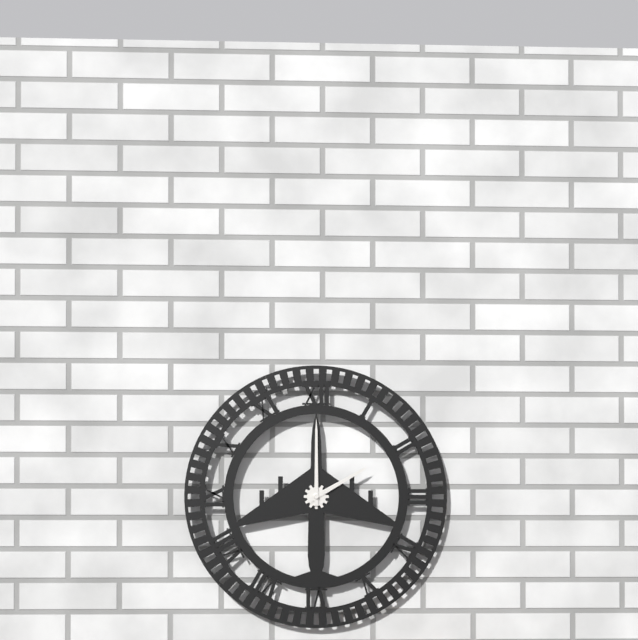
2:00
